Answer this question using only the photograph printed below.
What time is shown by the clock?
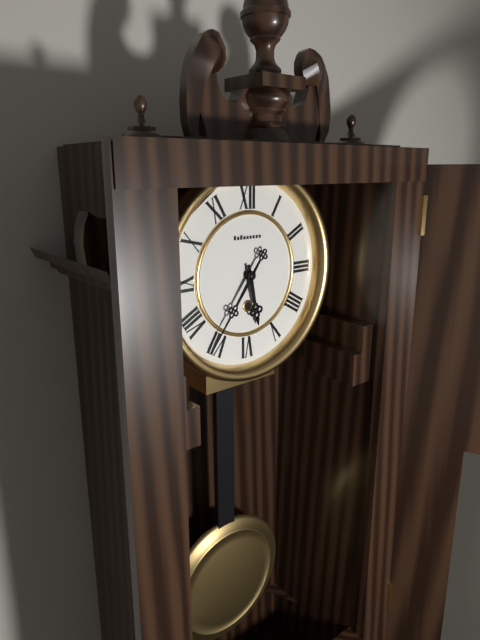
5:36
